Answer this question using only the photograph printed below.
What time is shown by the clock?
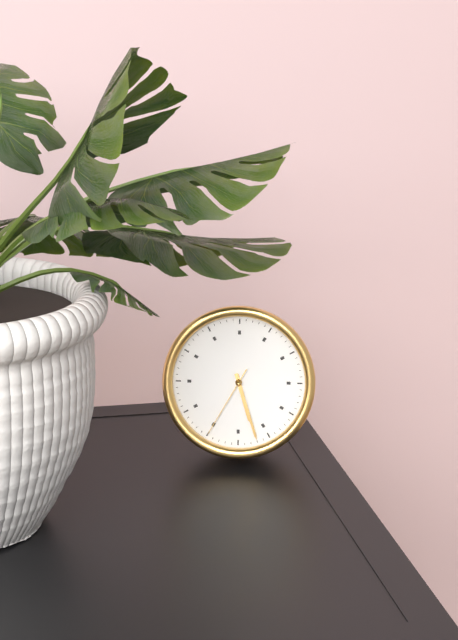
5:27:35
